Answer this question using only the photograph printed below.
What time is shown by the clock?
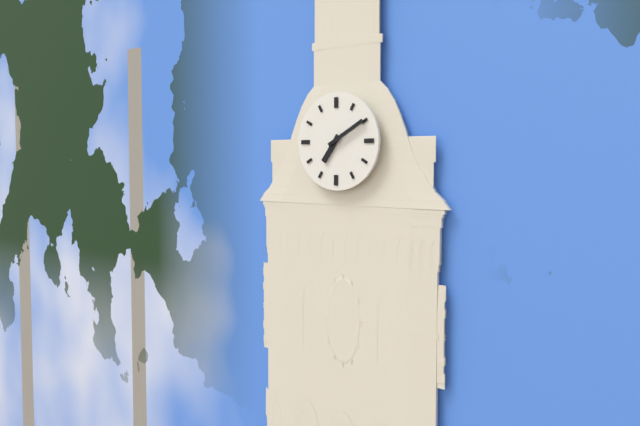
7:10
